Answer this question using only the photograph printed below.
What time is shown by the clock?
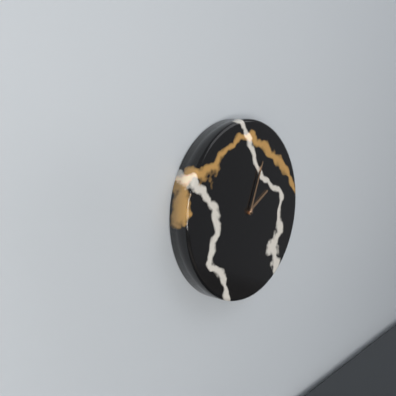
2:04
